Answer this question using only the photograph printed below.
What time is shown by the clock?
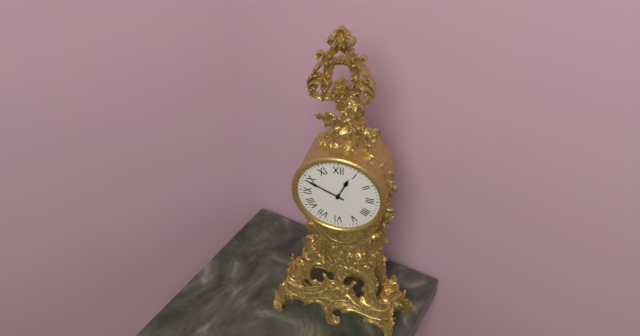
12:49
